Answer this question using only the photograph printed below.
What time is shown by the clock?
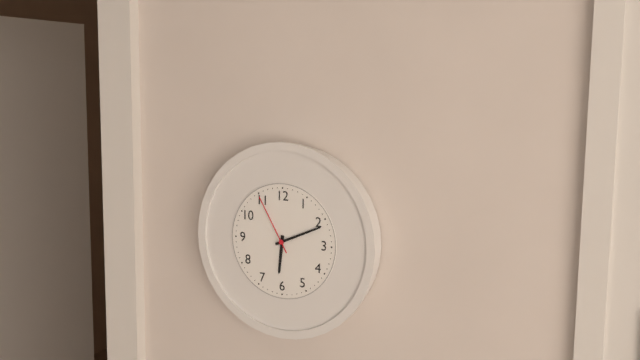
6:11:55
